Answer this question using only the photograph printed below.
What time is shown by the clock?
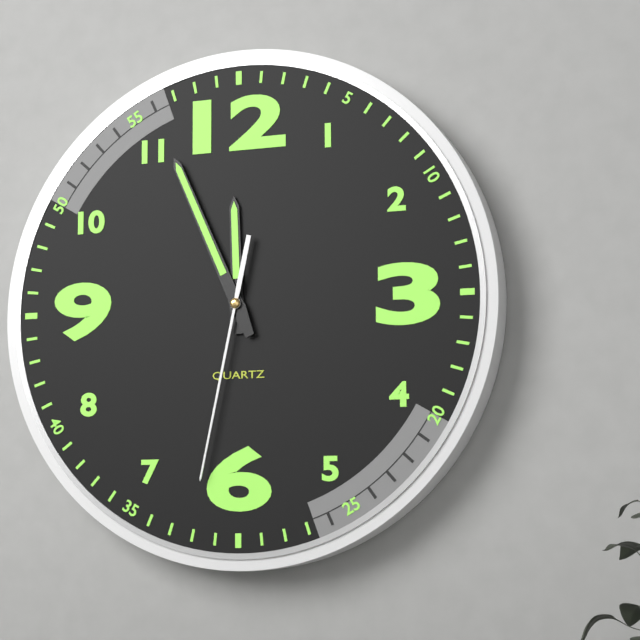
11:56:32
